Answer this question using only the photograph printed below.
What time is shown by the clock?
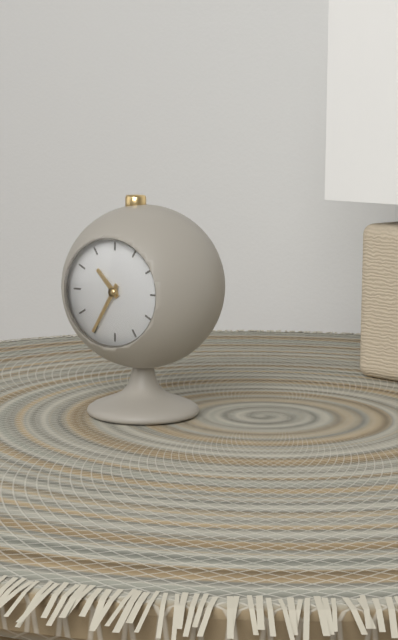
10:35
